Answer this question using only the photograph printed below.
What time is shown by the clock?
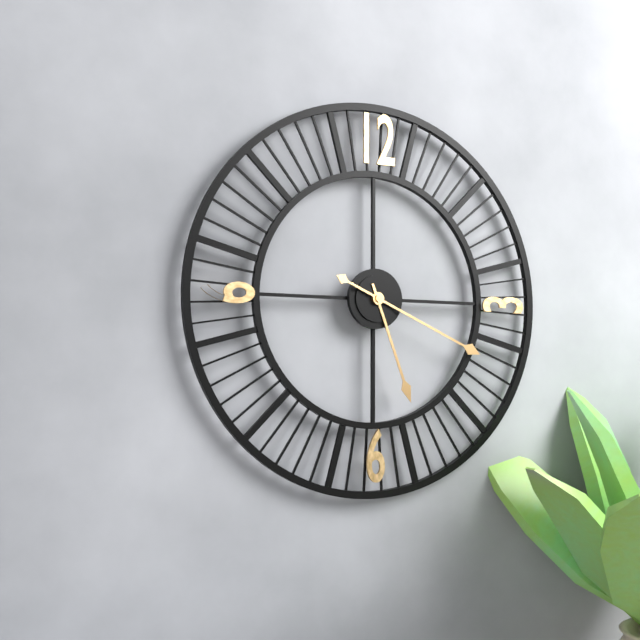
5:19
